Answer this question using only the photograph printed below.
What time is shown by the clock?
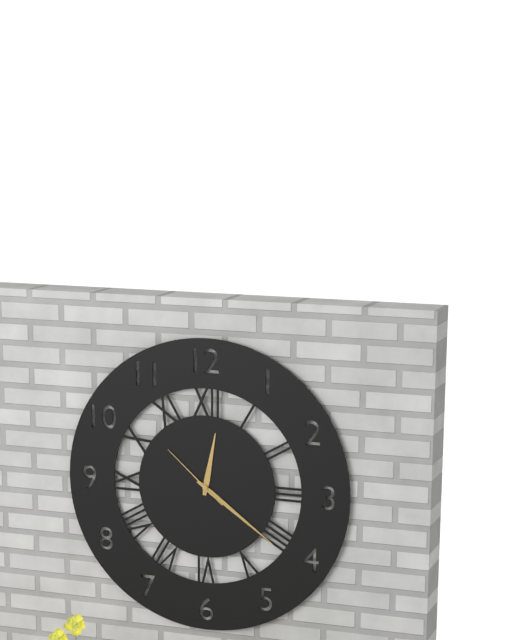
12:21:52
